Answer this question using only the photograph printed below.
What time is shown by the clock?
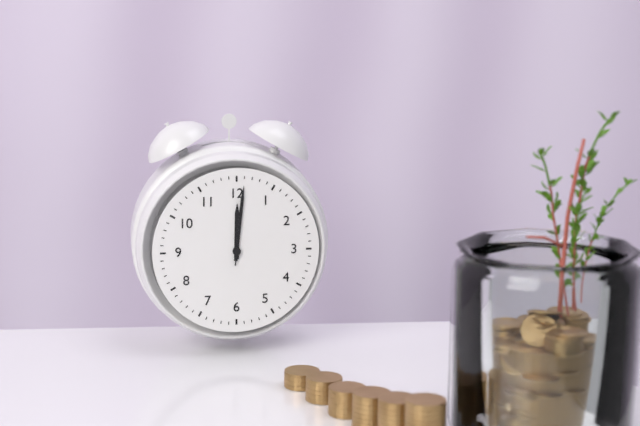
12:01:01
